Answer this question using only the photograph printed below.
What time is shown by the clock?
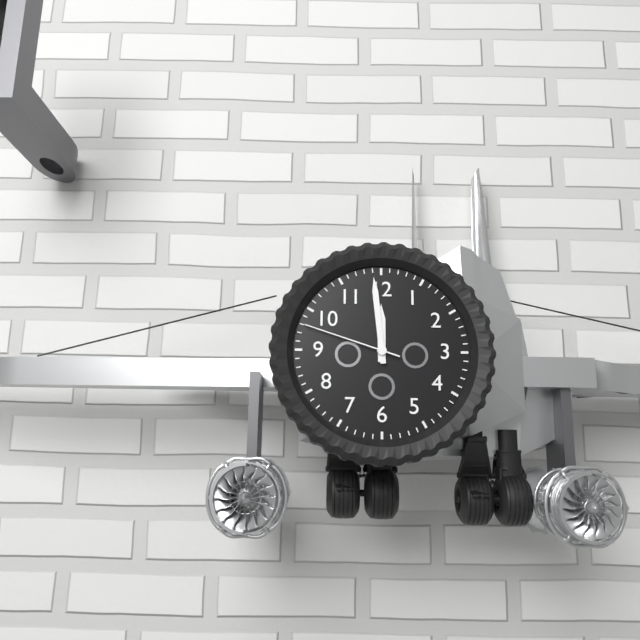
11:59:48
